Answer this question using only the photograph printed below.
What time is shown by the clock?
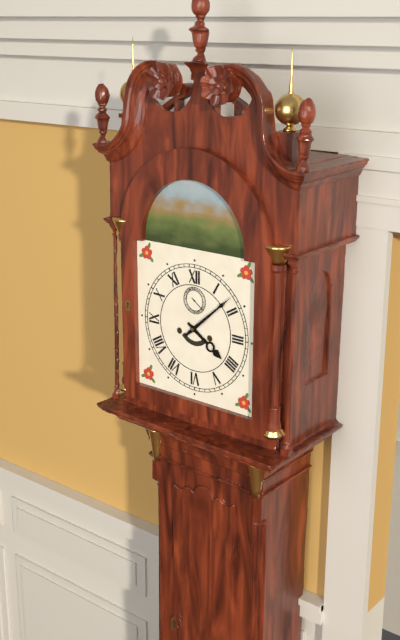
4:08
